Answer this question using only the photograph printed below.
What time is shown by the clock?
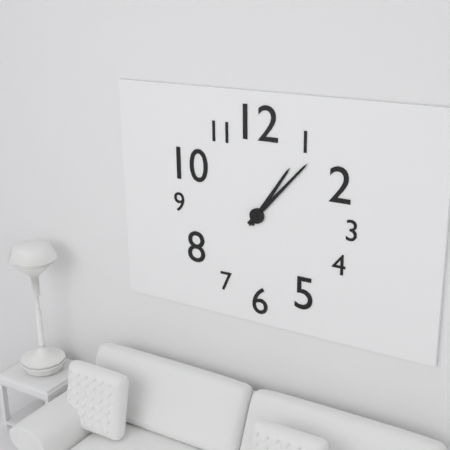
1:07
